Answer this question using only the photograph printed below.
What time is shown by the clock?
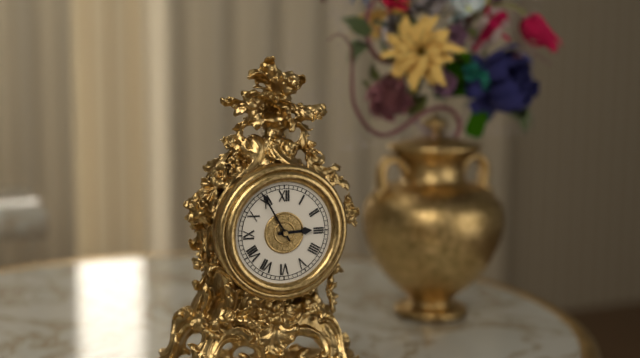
2:55
